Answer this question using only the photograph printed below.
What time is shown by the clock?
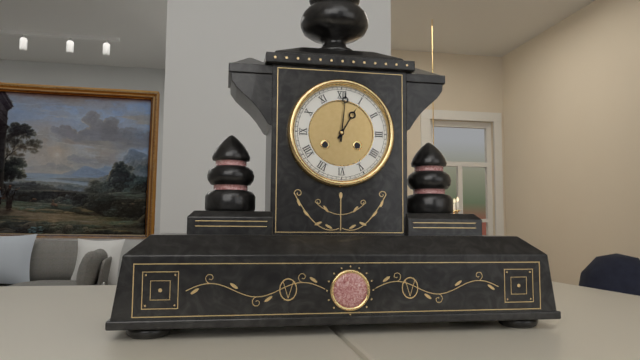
1:01
